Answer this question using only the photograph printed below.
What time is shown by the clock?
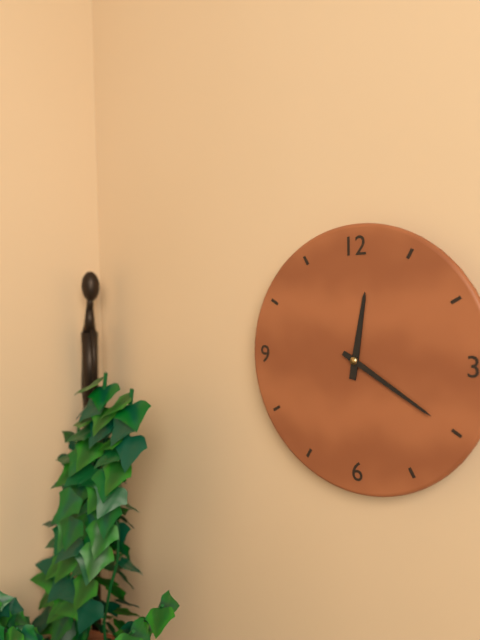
12:20
